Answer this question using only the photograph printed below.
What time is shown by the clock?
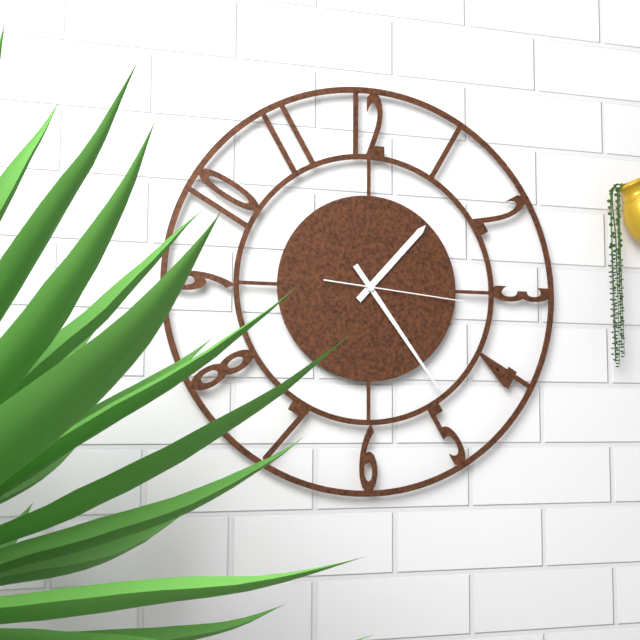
1:24:16
